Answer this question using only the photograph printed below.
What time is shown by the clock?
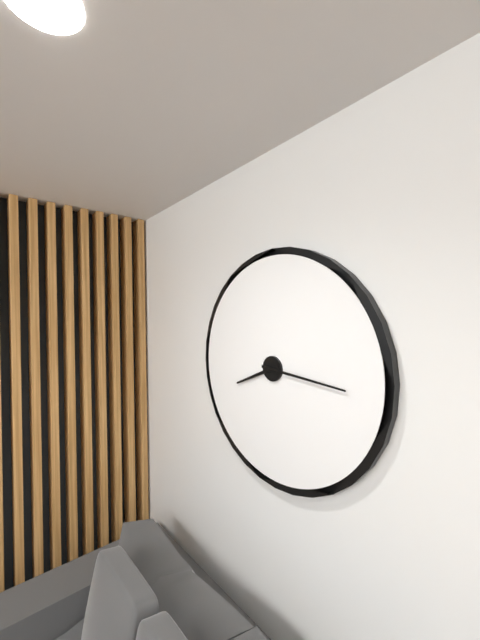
8:16
